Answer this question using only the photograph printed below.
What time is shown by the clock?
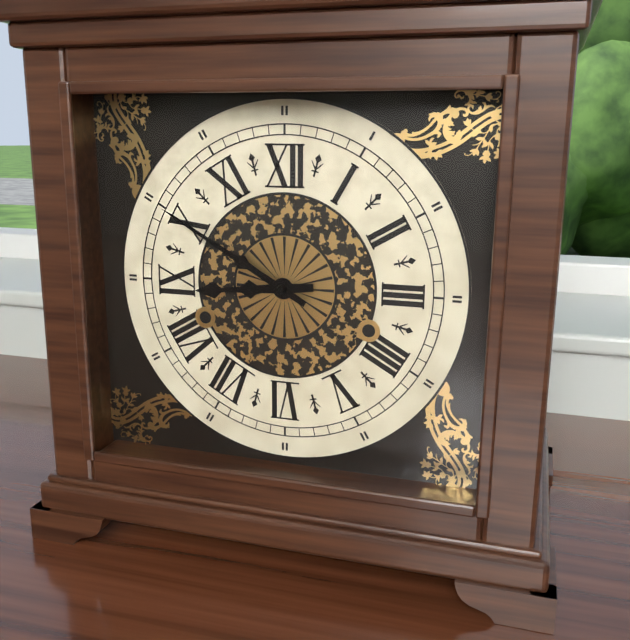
8:50
